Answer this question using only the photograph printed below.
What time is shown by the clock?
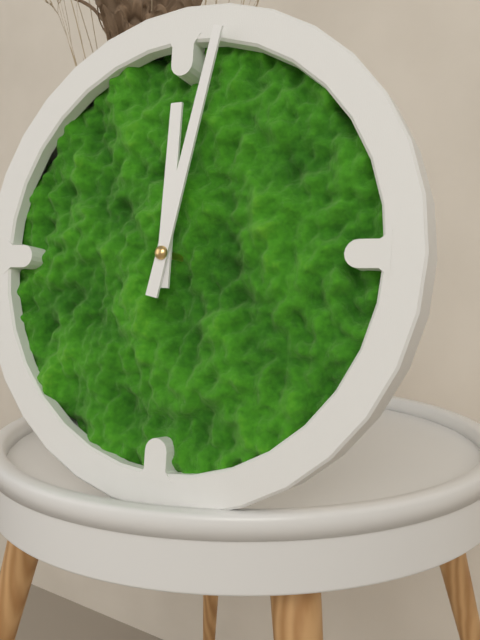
12:02
